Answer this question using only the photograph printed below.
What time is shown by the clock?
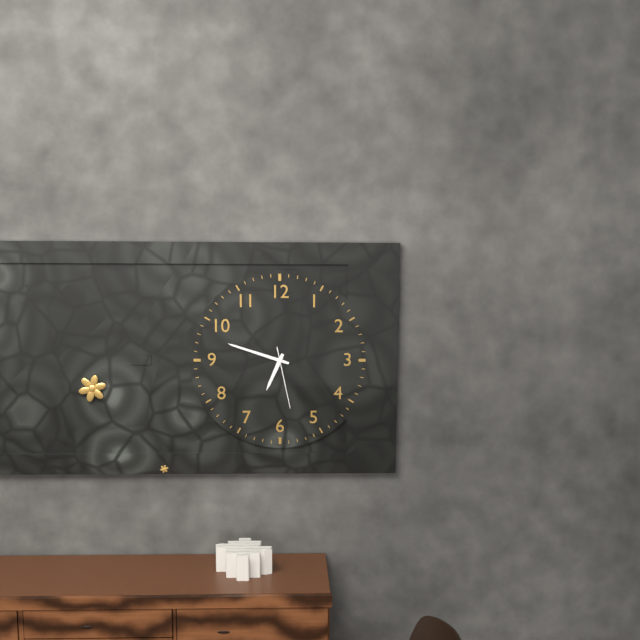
6:48:28
